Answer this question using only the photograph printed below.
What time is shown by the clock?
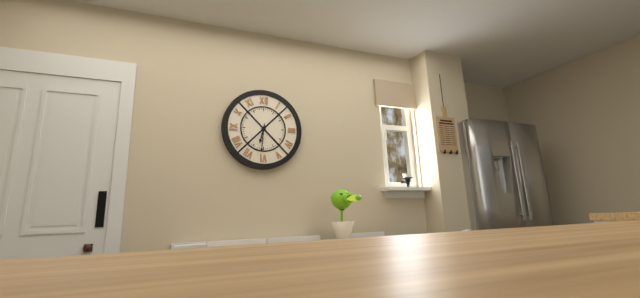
6:31
